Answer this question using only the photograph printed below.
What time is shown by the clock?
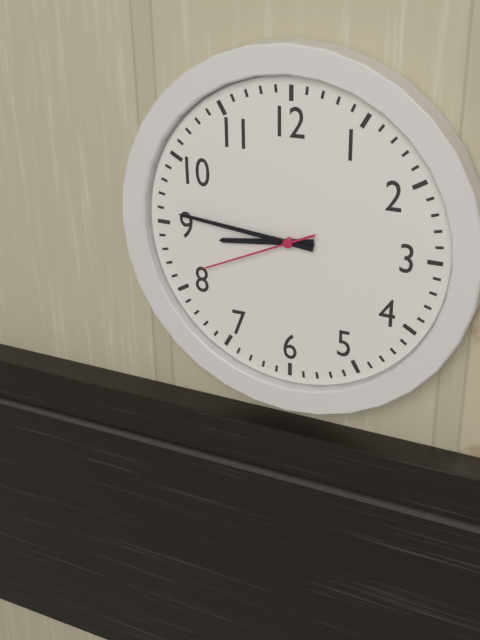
8:46:41
